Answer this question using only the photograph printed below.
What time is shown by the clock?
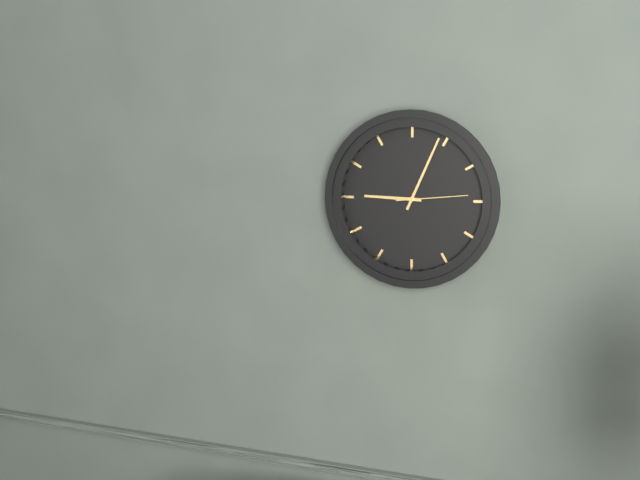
9:04:14
